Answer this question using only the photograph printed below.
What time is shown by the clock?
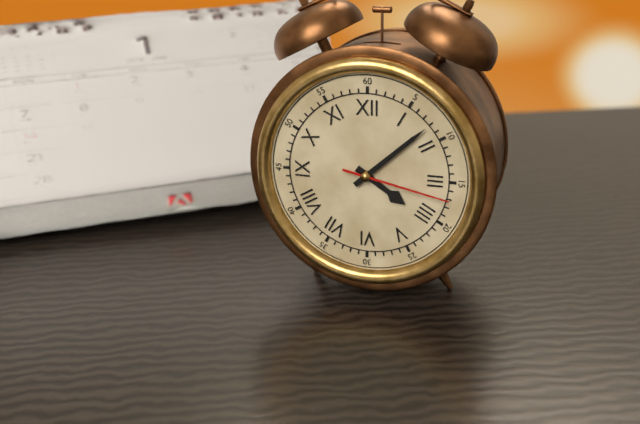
4:08:17
